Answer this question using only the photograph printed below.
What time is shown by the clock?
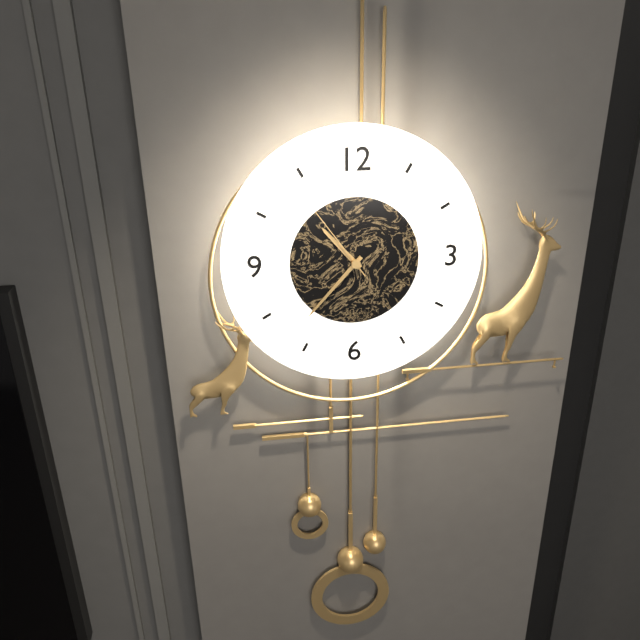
10:37:54
